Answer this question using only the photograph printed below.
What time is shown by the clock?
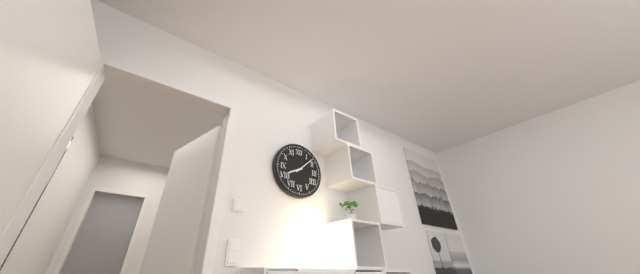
8:08
